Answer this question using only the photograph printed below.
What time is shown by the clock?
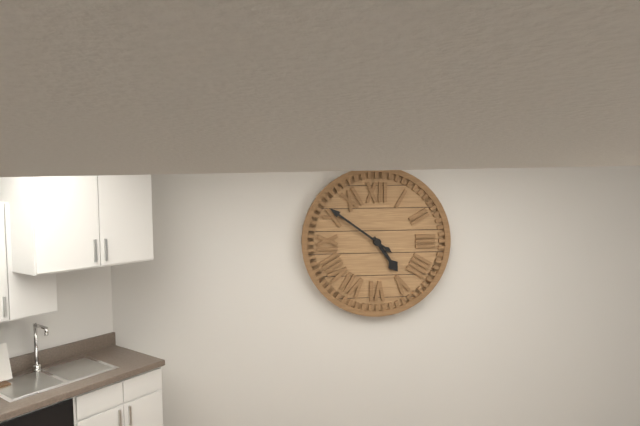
4:51
